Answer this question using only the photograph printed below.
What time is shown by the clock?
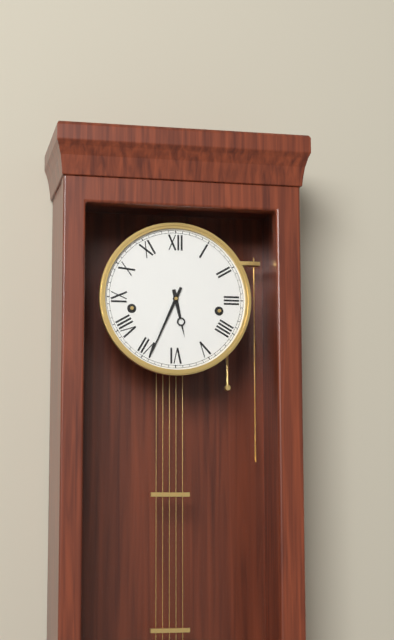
5:34
